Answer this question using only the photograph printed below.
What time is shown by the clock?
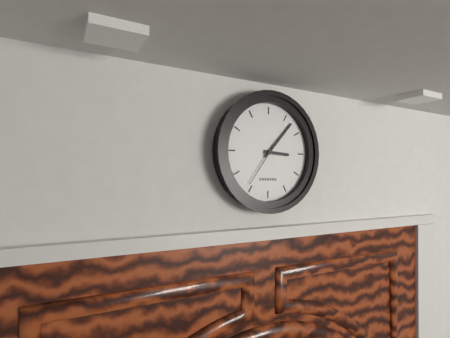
3:07
